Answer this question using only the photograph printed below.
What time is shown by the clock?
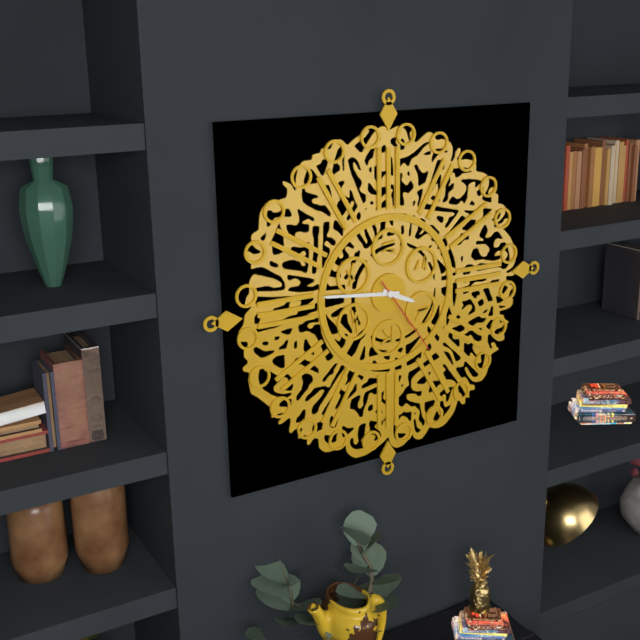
3:46:24
